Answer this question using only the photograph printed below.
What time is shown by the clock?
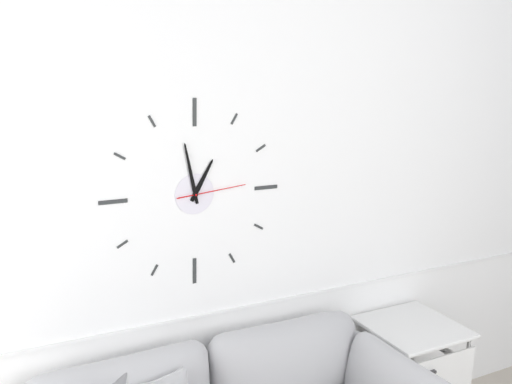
12:58:14
